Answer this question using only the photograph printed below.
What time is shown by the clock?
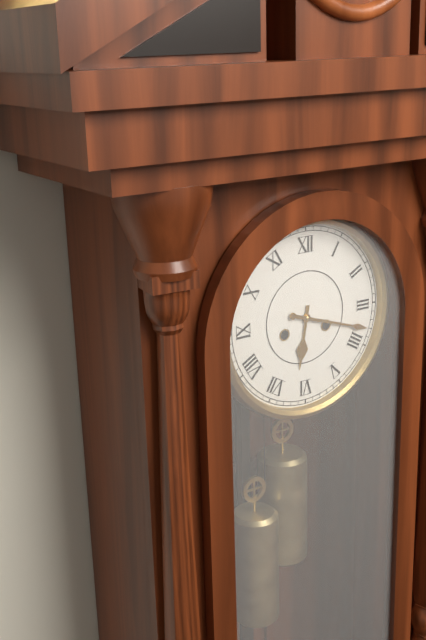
6:18
